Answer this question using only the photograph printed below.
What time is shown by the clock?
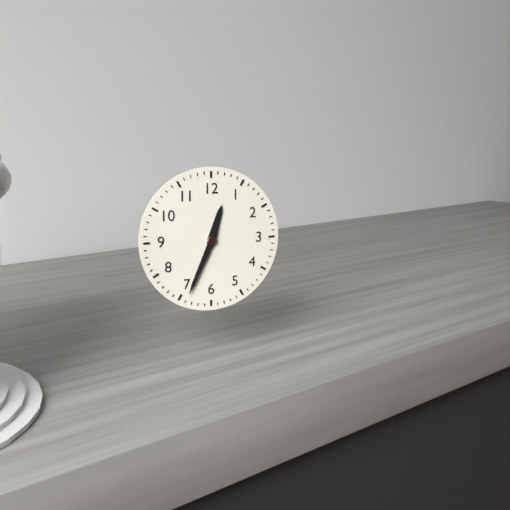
12:34
